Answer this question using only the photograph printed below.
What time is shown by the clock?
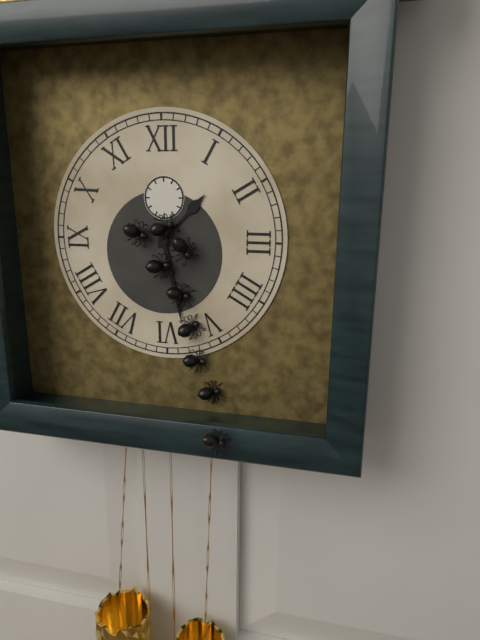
1:28
